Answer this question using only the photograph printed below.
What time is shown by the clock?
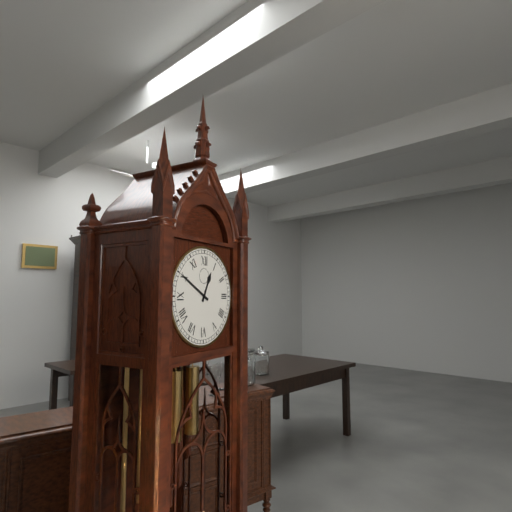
12:50
